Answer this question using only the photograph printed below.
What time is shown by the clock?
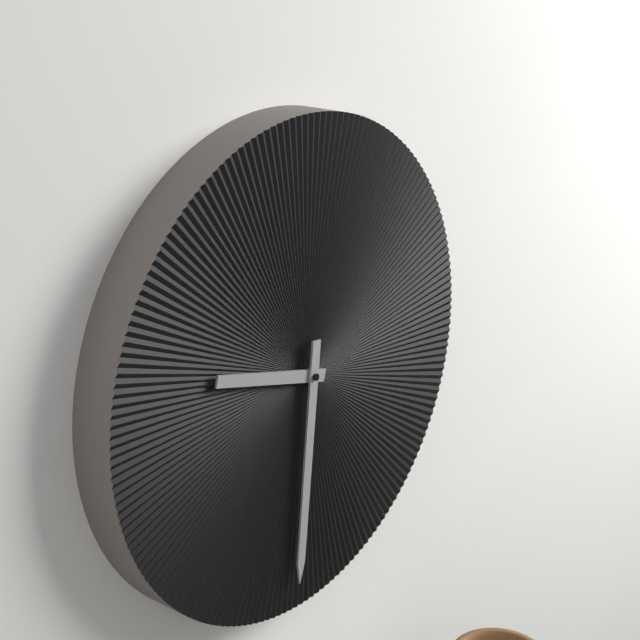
9:31
